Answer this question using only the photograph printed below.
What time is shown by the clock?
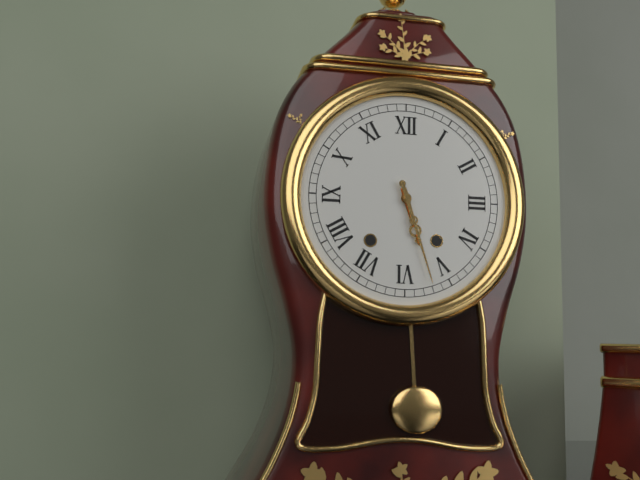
5:27
